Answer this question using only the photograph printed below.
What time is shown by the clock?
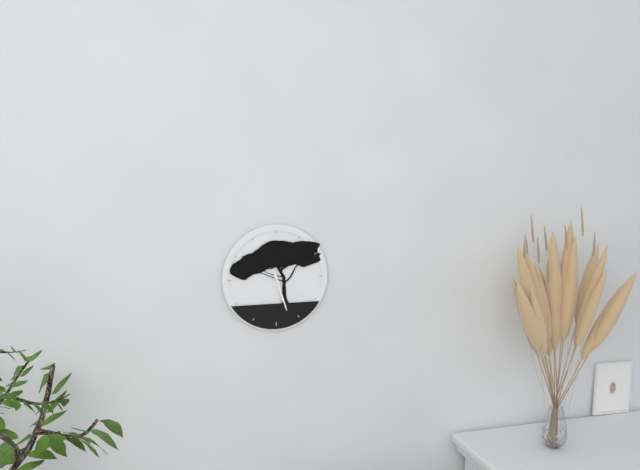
5:27
